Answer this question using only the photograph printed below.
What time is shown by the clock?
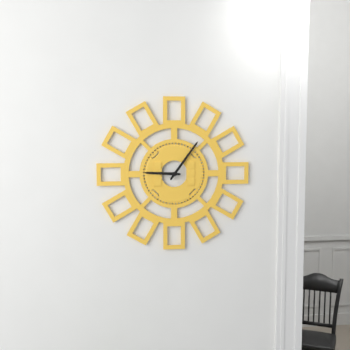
9:06
